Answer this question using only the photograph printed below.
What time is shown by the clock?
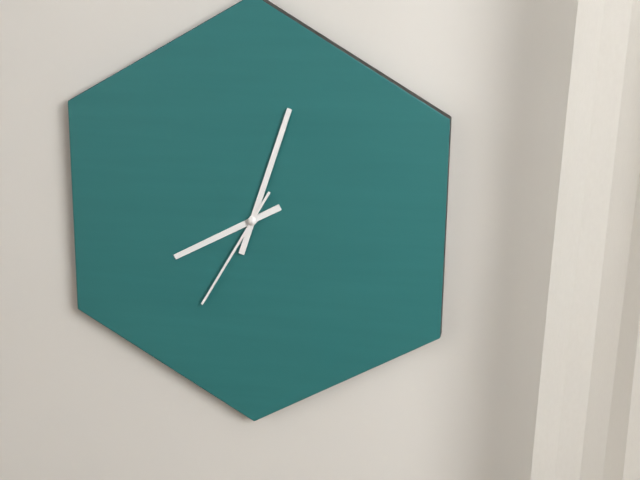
8:03:35
